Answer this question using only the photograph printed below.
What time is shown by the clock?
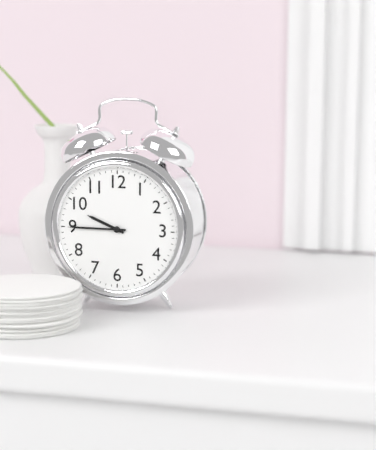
9:45
